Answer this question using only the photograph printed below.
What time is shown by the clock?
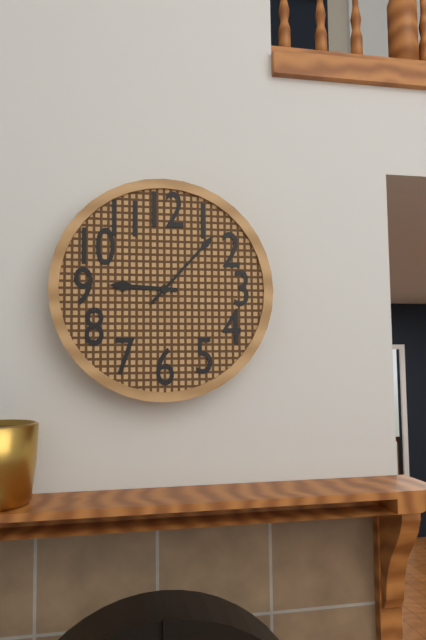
9:07
